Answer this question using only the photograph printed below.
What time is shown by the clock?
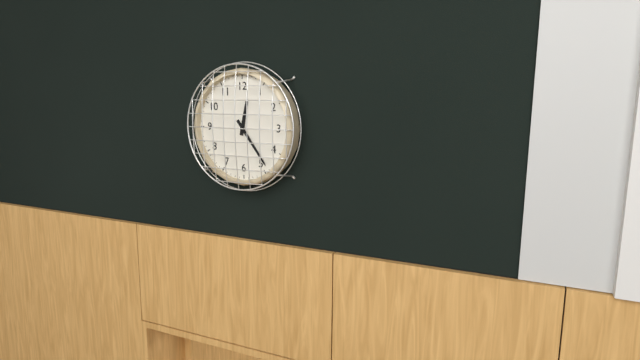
12:24
